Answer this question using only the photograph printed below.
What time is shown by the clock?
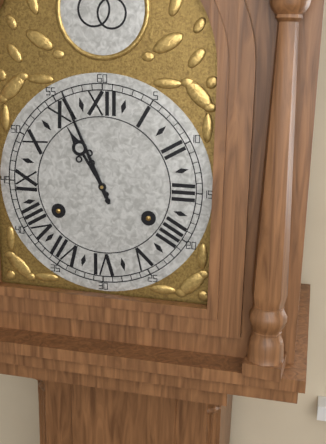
10:56
